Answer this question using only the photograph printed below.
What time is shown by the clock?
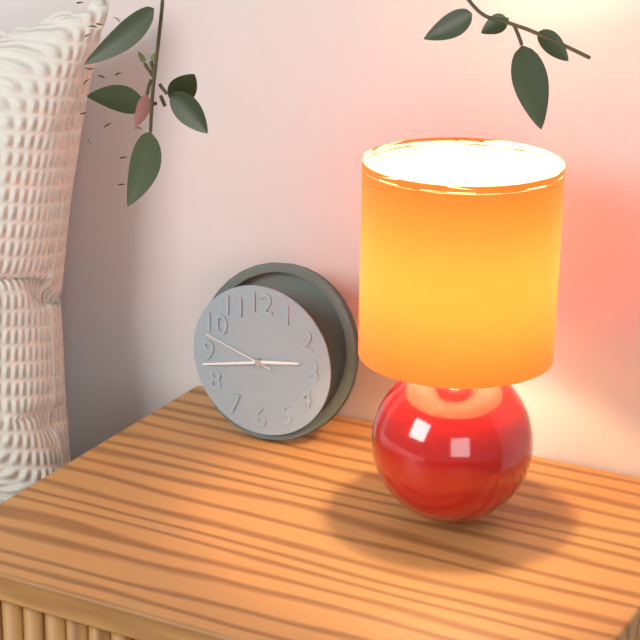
2:43:48
